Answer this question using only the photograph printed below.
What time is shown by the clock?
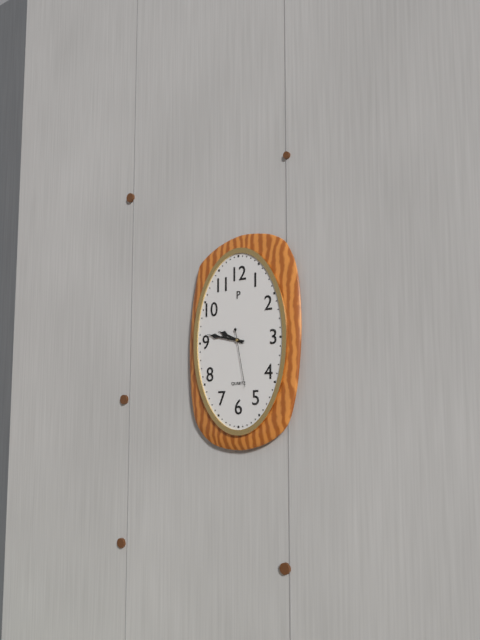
9:47:28
